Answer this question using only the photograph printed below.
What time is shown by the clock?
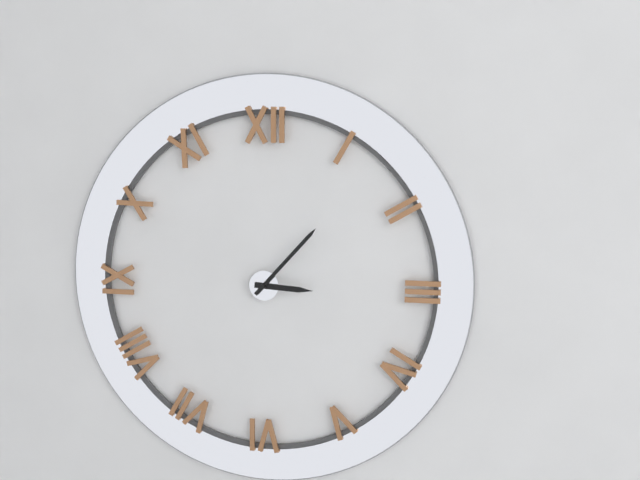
3:07
